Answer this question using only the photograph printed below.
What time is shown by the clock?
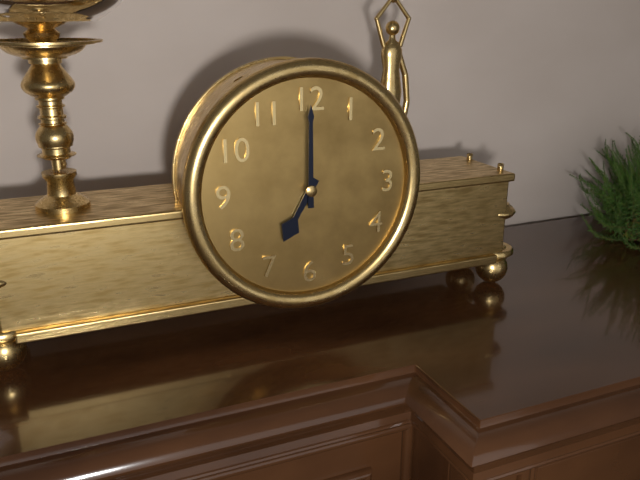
7:00
